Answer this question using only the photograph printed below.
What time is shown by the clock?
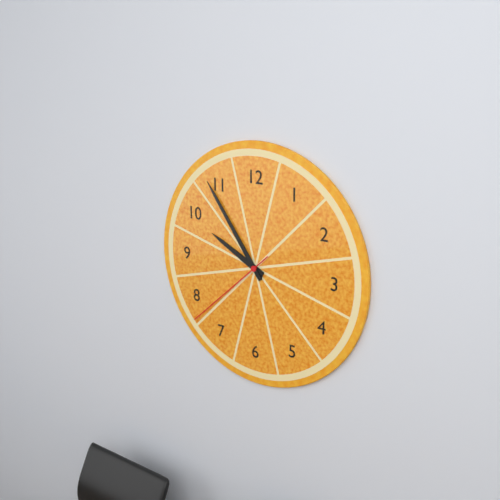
9:54:38
